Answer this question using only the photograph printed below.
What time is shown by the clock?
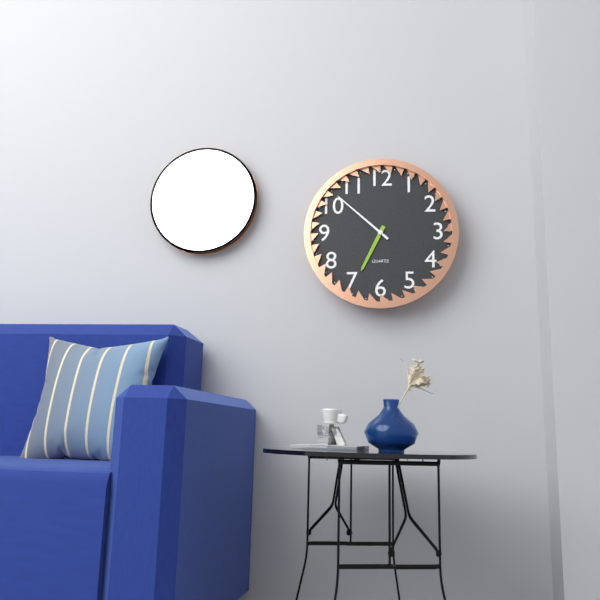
6:52
